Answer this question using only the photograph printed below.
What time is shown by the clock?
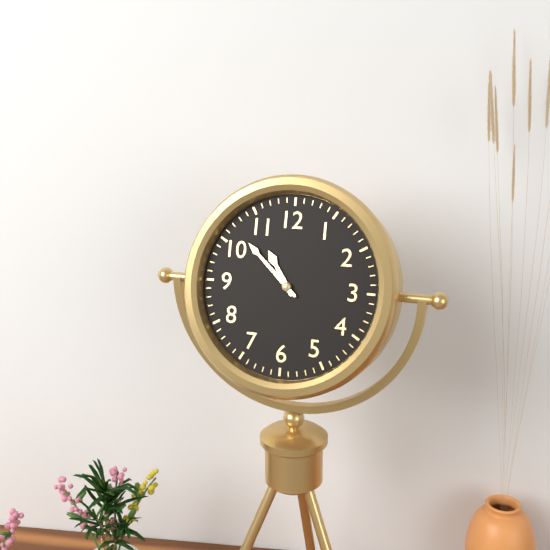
10:52
